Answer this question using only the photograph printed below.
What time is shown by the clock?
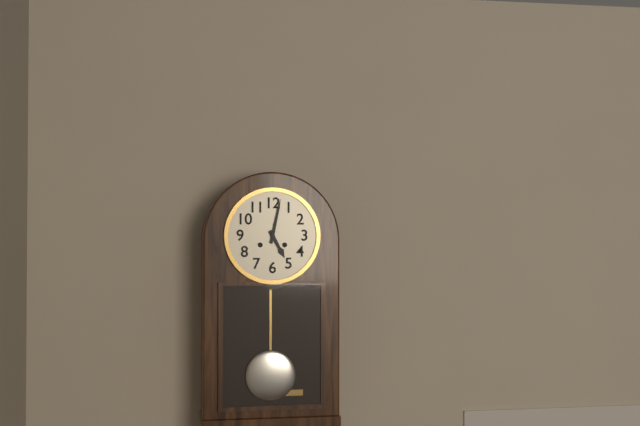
5:02
